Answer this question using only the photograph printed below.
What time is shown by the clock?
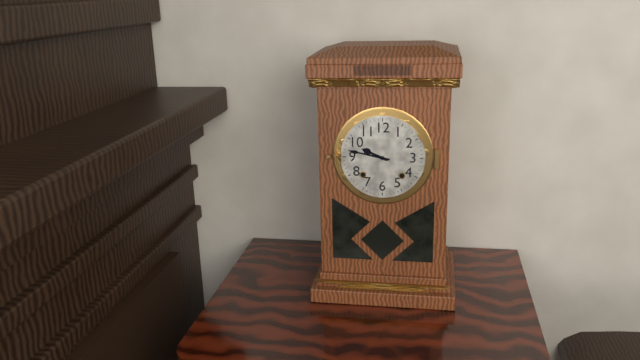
9:47
